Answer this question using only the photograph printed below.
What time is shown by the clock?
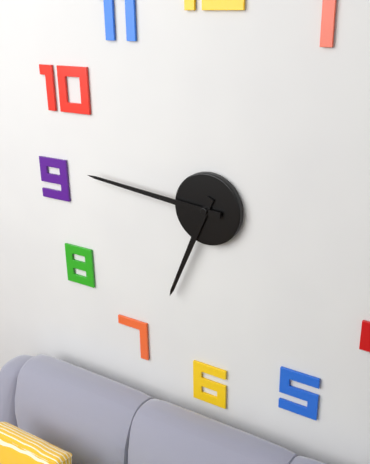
6:46
